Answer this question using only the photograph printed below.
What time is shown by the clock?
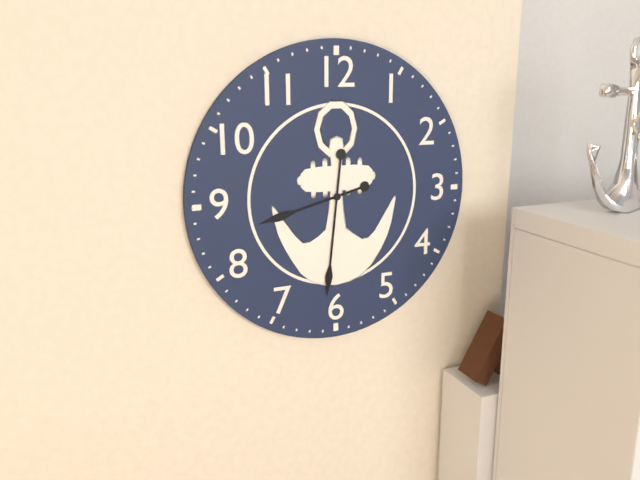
8:31
